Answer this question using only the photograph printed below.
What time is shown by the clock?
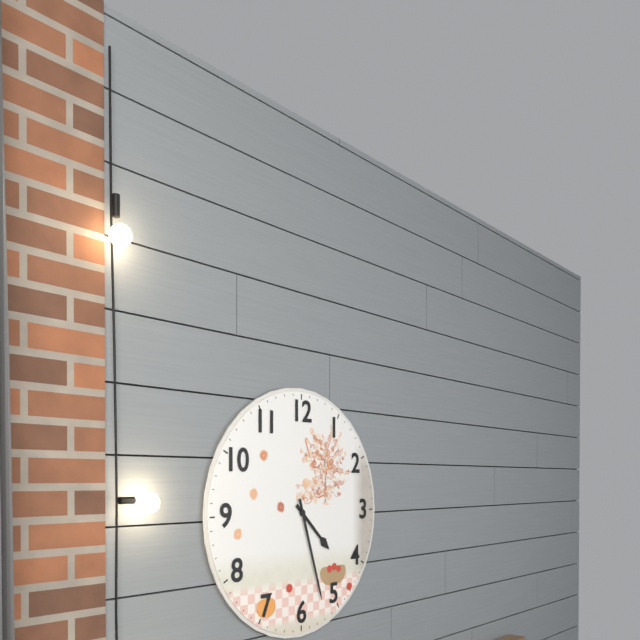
4:27
